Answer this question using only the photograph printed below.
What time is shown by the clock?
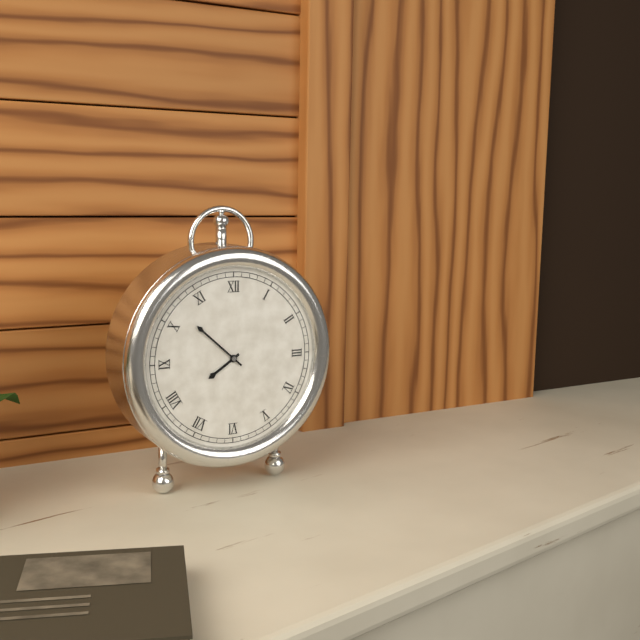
7:52
